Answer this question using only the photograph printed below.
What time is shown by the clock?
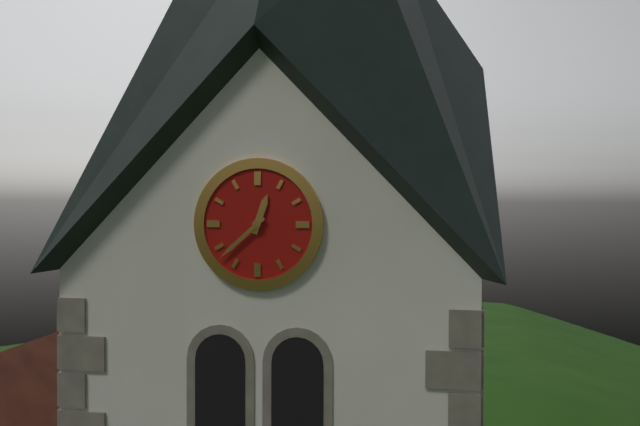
12:38
